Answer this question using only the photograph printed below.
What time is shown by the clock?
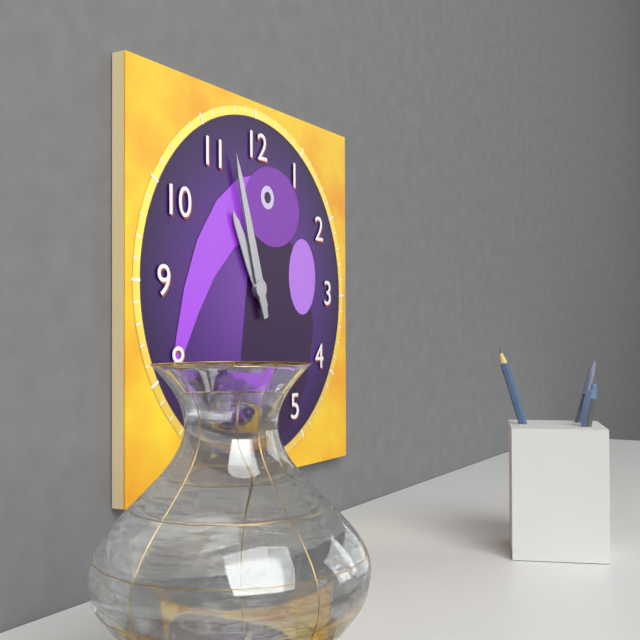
10:57
